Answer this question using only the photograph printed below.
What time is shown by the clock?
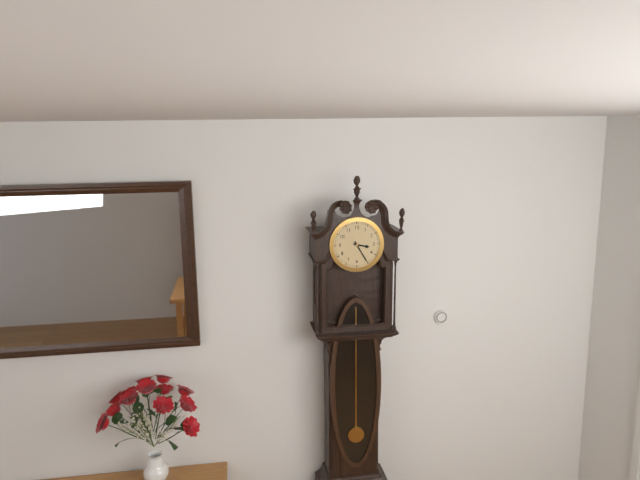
3:25
